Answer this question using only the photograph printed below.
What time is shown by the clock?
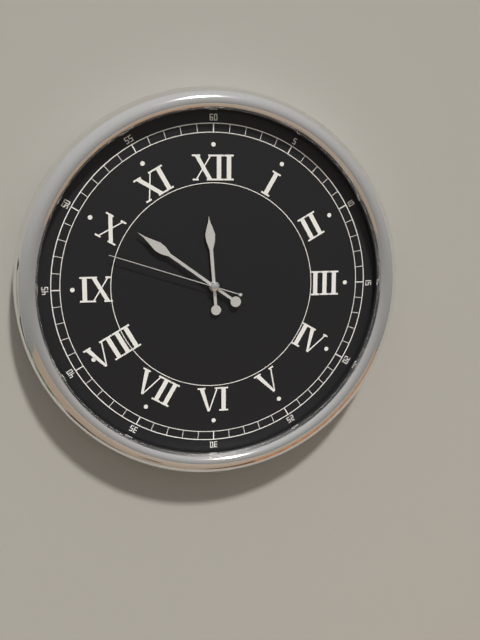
11:51:48
